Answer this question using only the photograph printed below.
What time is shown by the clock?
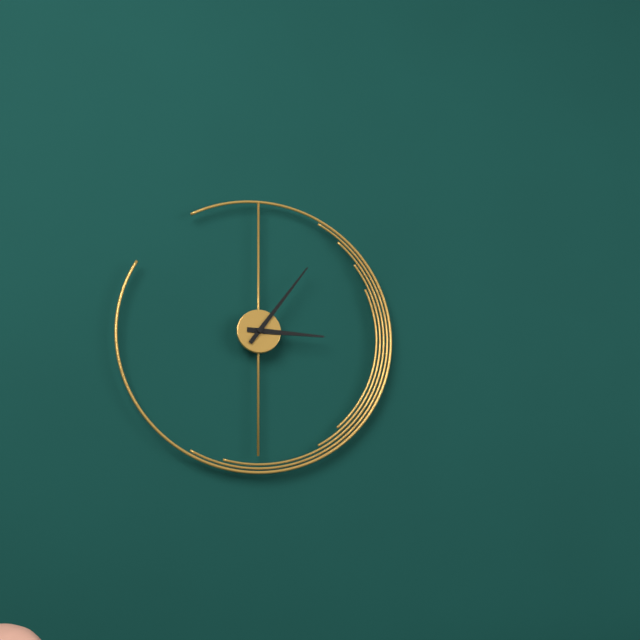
3:06
